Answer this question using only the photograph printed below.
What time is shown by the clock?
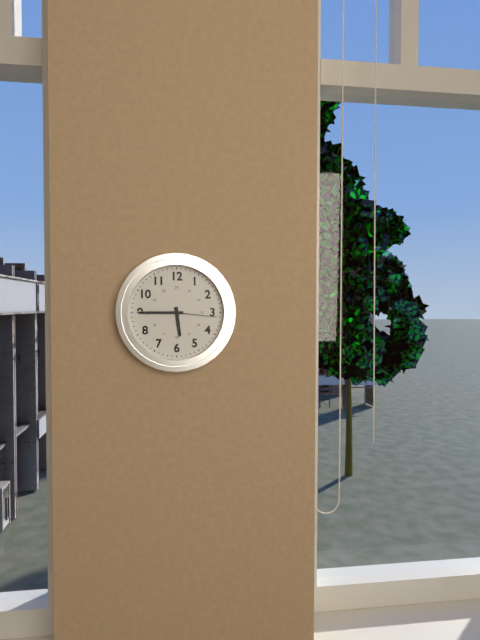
5:45:16
